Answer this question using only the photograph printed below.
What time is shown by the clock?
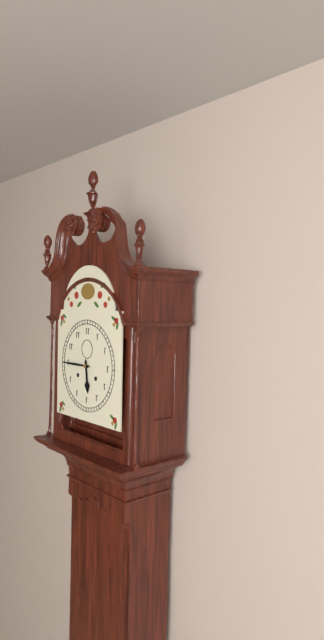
5:45
